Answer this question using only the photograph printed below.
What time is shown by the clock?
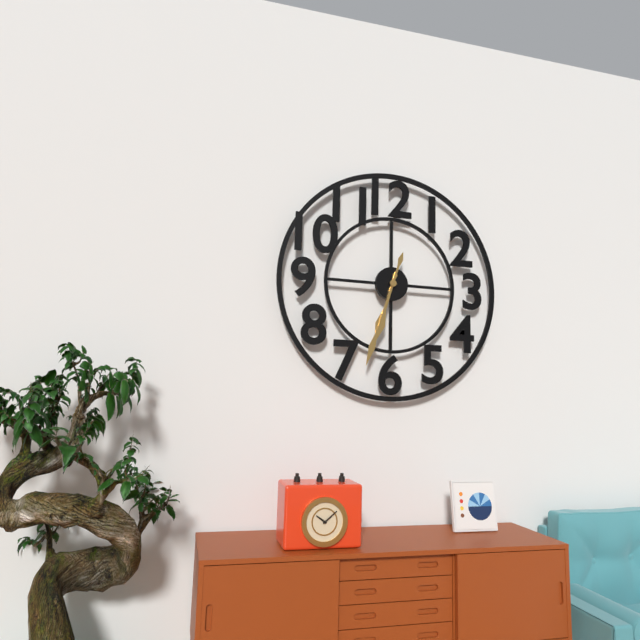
6:33
